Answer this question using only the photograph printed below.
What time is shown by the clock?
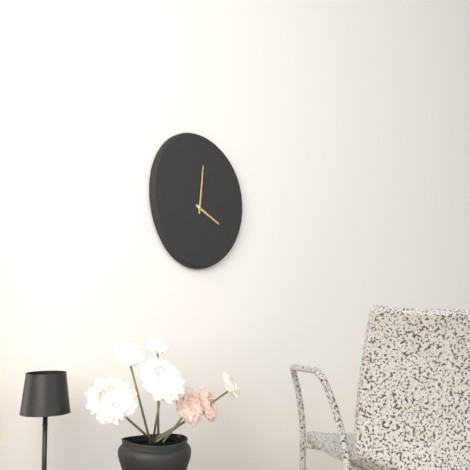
4:01
